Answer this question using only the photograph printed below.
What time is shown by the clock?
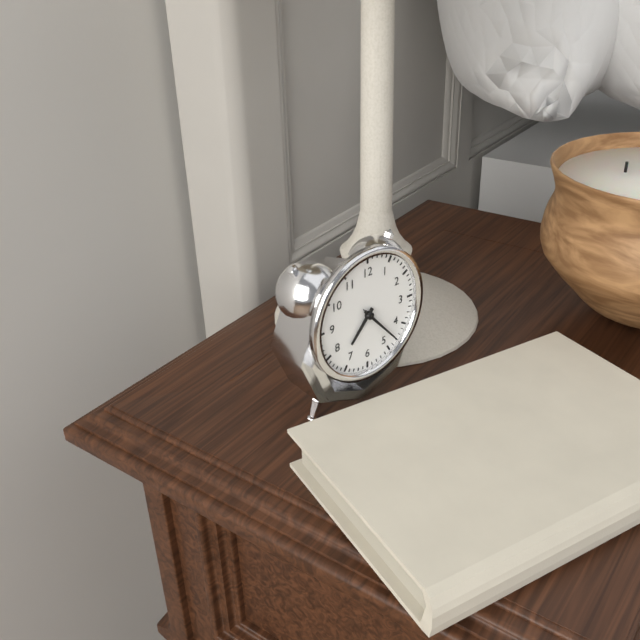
7:23:23
